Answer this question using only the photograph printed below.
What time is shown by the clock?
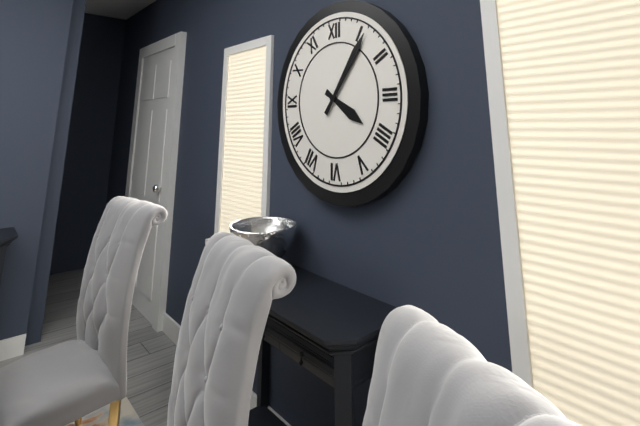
4:06
